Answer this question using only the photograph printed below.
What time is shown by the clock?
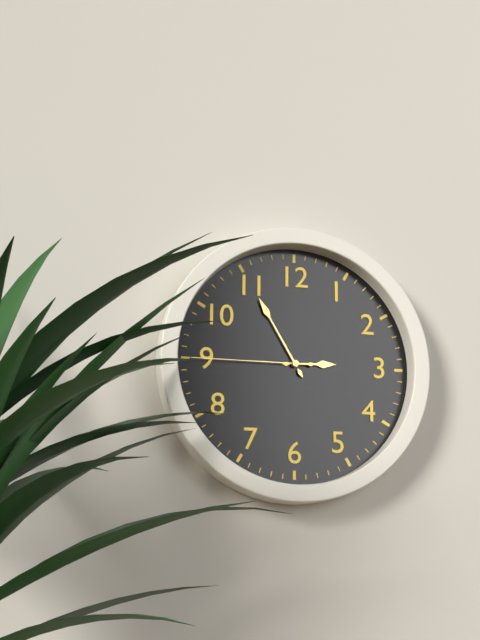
2:55:45
